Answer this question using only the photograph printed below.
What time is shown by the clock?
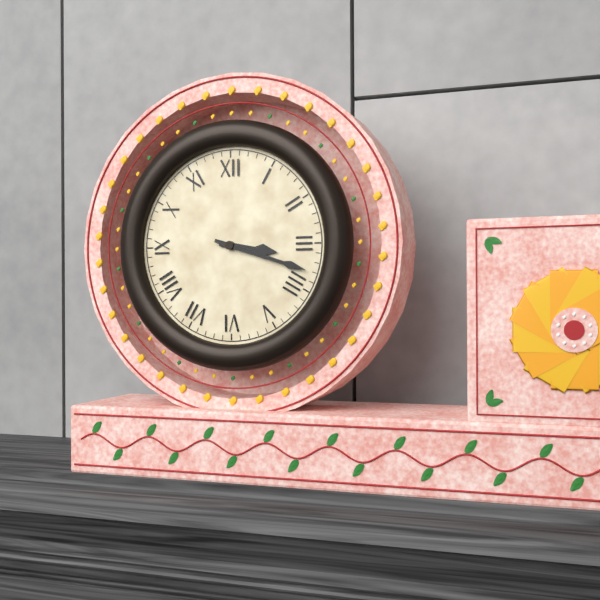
3:18
